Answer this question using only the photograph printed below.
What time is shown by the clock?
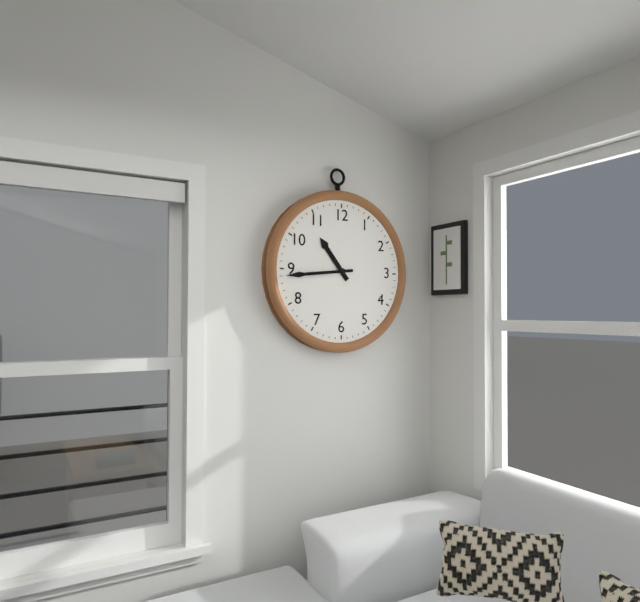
10:44
